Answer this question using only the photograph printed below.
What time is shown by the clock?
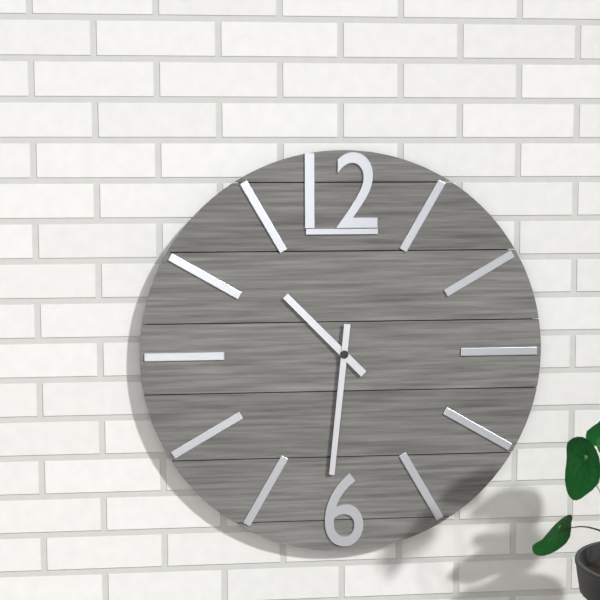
10:31
